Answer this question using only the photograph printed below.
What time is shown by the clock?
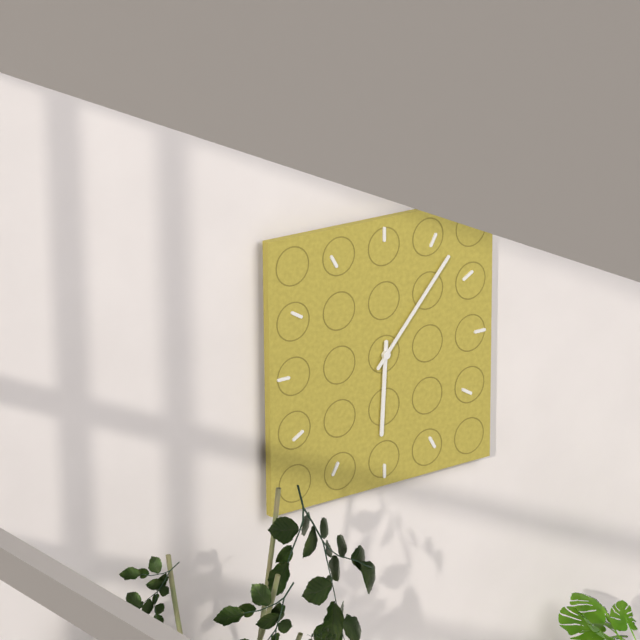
6:07
